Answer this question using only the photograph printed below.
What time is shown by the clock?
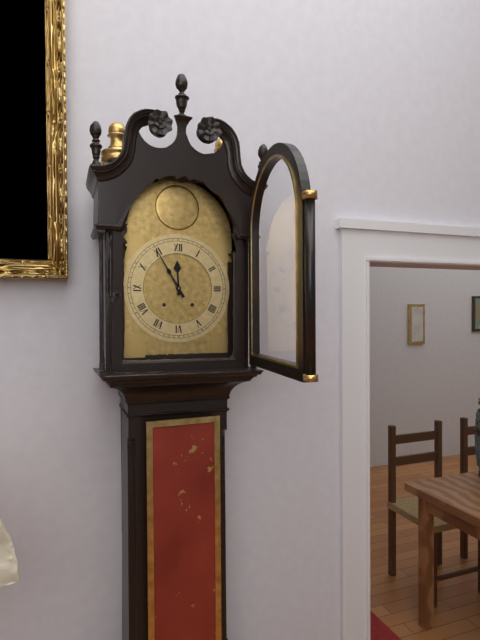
11:55
